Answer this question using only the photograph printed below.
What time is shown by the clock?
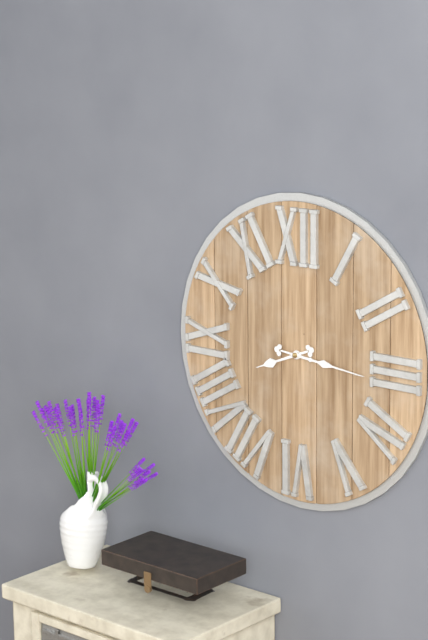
8:16
